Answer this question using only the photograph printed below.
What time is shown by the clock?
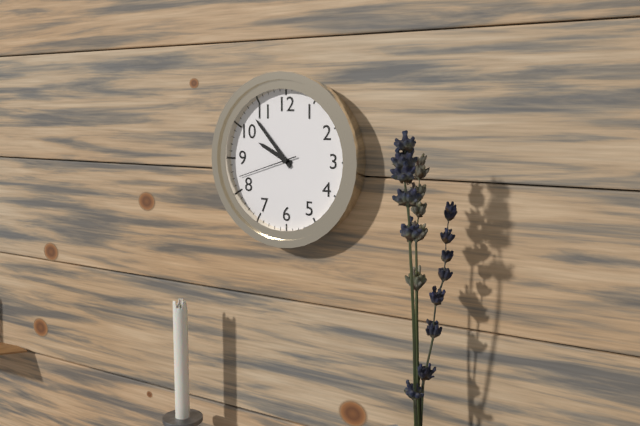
9:53:42
